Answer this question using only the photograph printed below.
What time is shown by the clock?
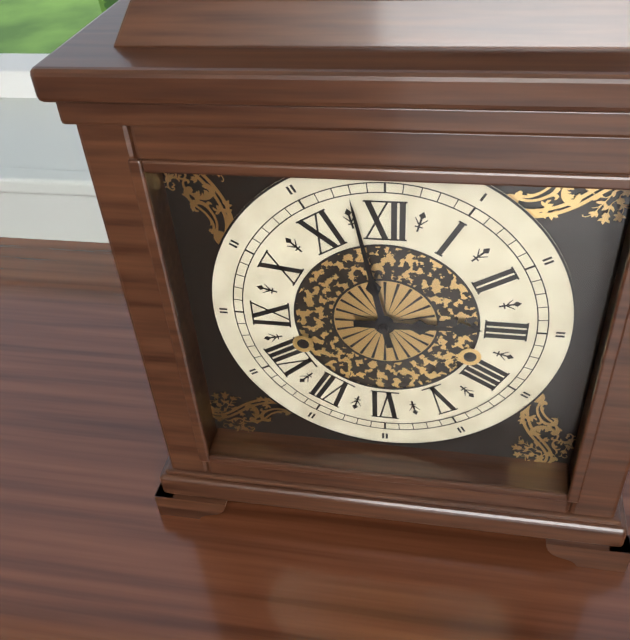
2:58
